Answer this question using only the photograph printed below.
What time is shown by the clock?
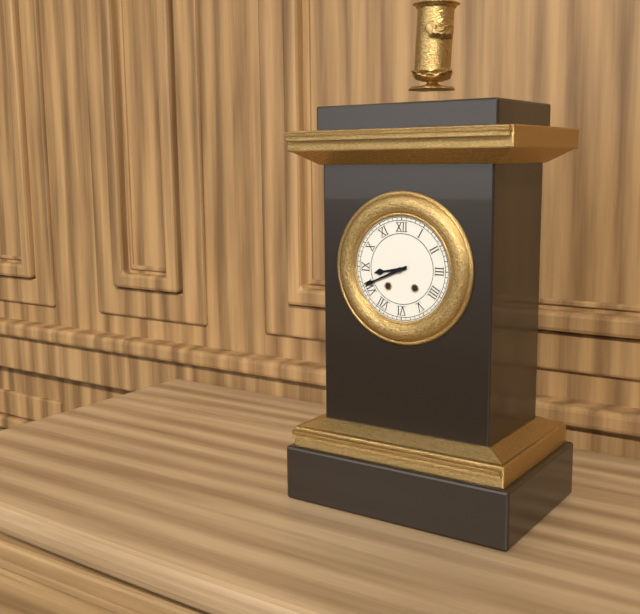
8:41
